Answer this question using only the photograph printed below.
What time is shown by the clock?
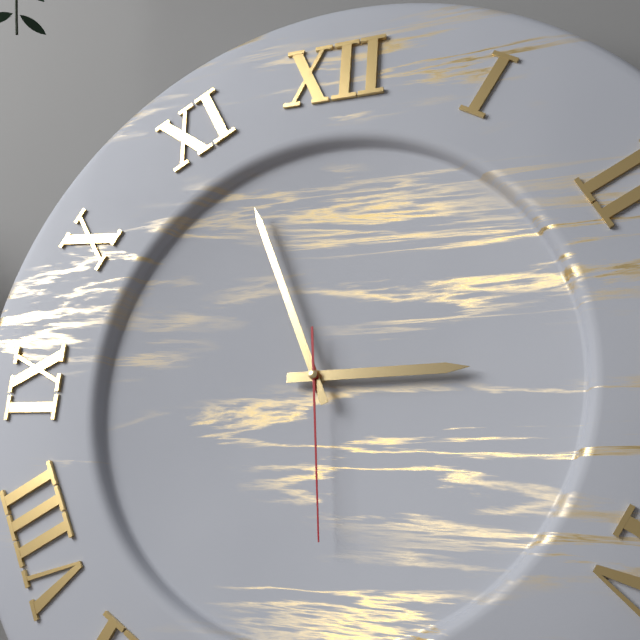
2:56:29
